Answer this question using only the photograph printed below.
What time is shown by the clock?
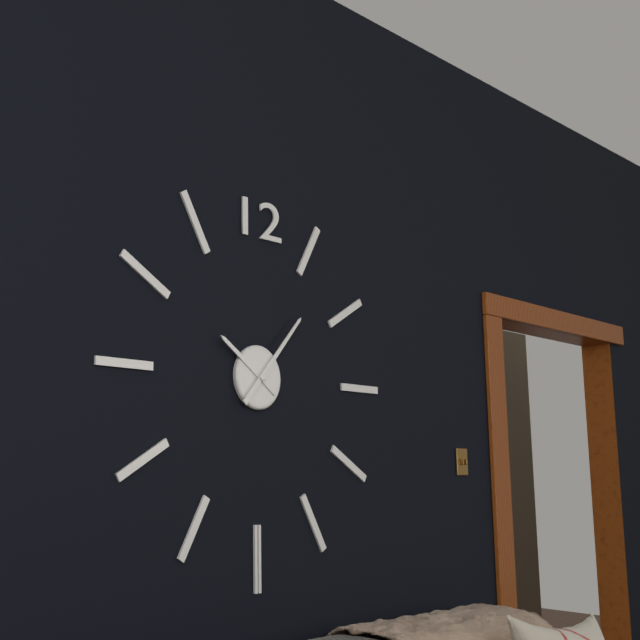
10:07
